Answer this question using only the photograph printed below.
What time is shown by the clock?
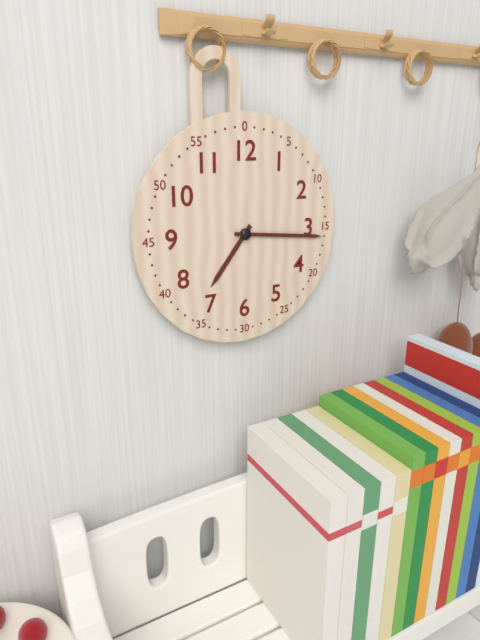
7:16
